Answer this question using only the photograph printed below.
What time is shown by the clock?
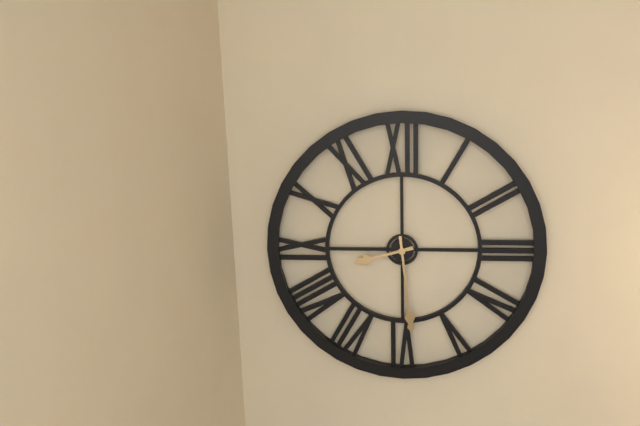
8:29
